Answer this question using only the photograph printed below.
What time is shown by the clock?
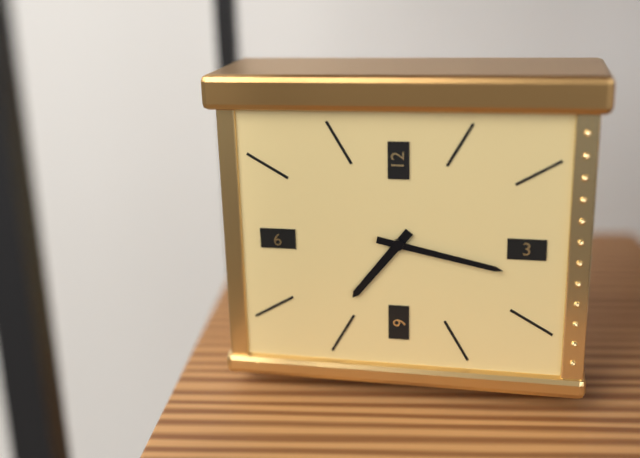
7:17
